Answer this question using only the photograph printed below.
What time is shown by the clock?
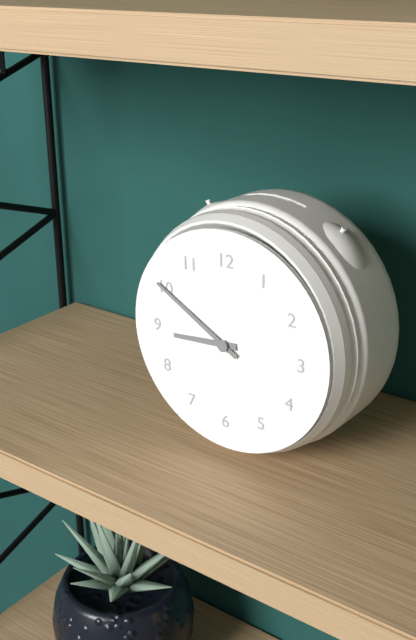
8:50
